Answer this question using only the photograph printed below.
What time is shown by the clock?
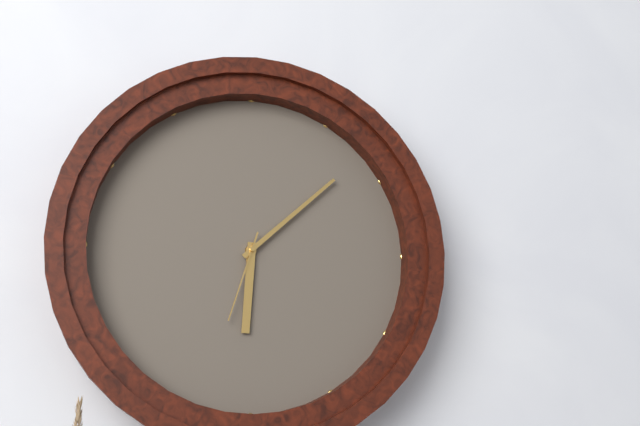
6:08:33
